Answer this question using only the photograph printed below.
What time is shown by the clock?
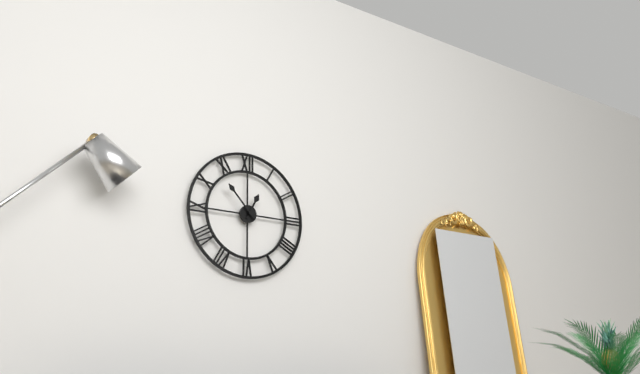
12:53
